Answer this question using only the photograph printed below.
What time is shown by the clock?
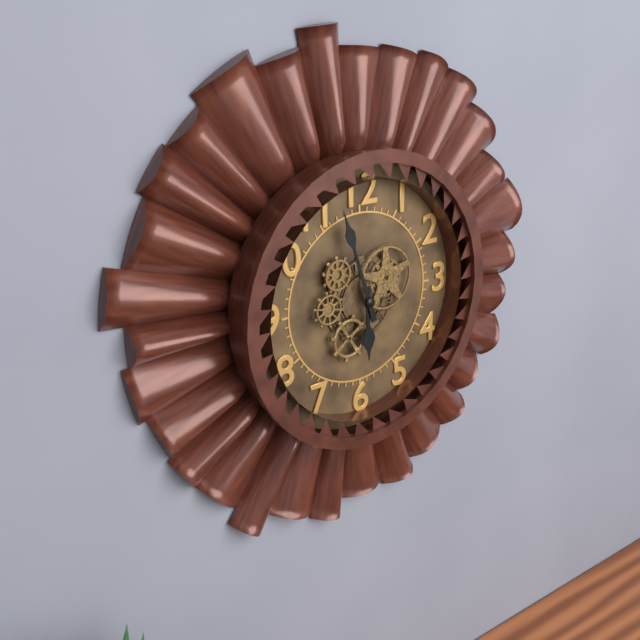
5:57
